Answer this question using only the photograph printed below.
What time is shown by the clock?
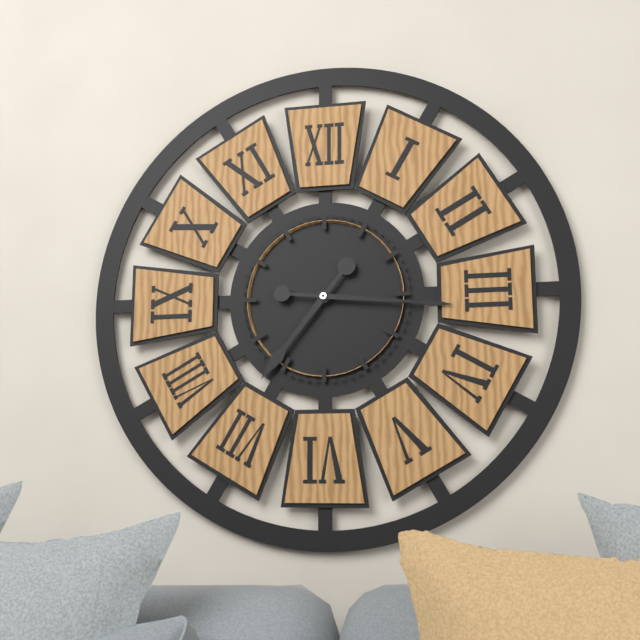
7:16
